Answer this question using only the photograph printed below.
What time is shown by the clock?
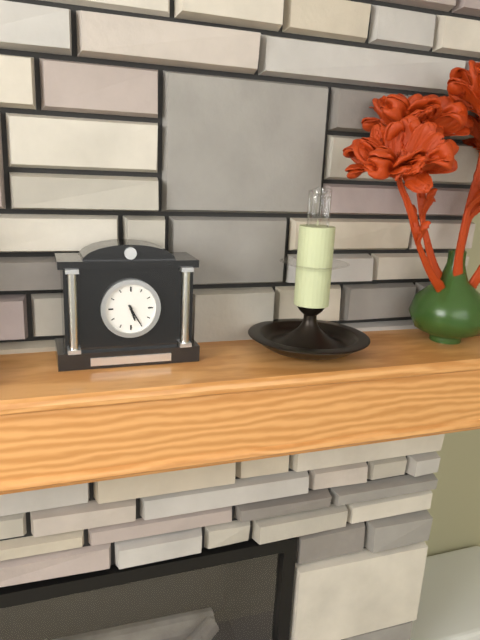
5:25
